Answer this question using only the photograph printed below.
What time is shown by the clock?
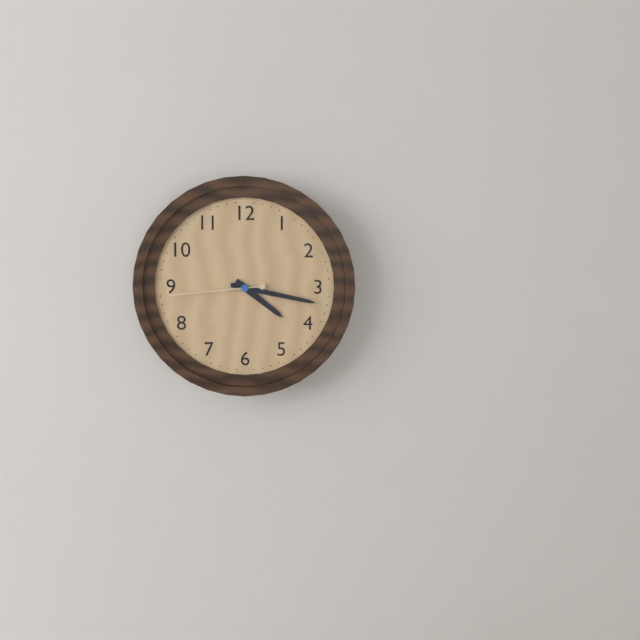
4:17:44
